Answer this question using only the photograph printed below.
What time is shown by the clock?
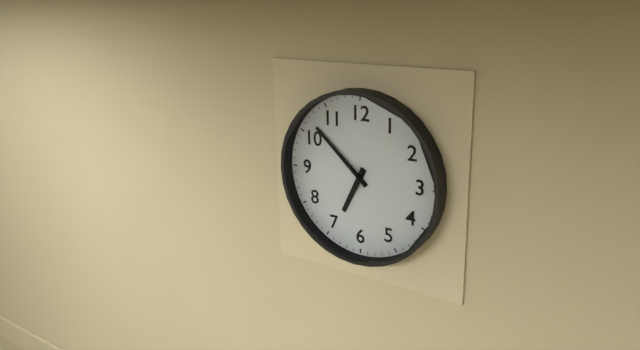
6:52
